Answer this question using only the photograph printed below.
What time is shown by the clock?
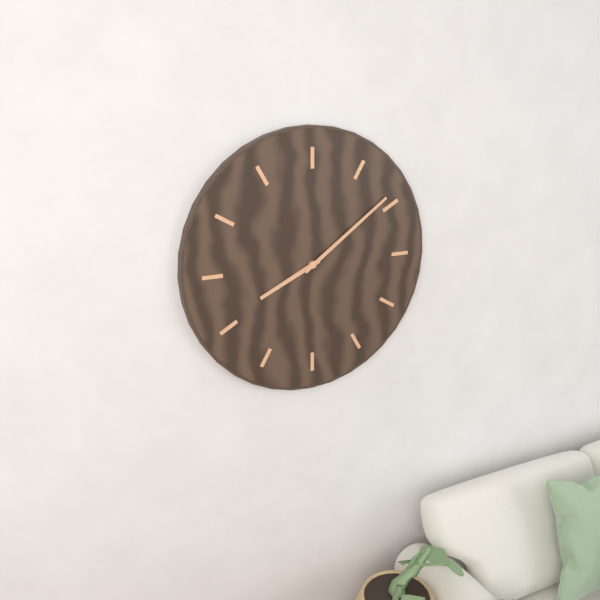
8:09
